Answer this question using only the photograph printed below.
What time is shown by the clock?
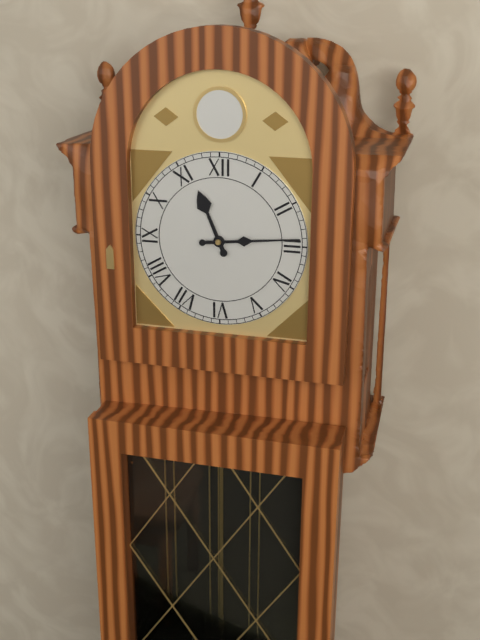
11:14
